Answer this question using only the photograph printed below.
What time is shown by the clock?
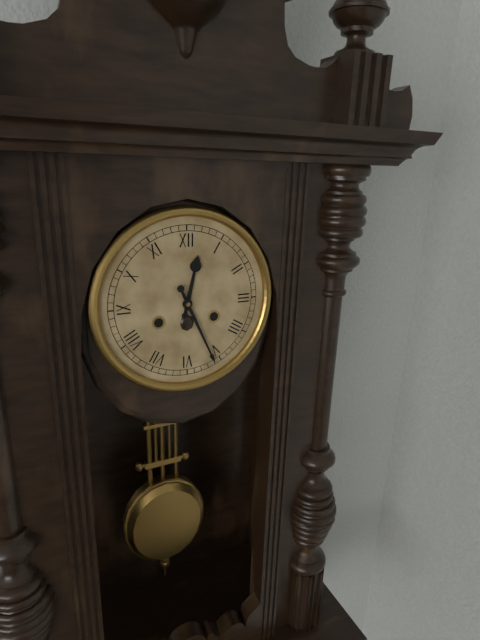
12:26
